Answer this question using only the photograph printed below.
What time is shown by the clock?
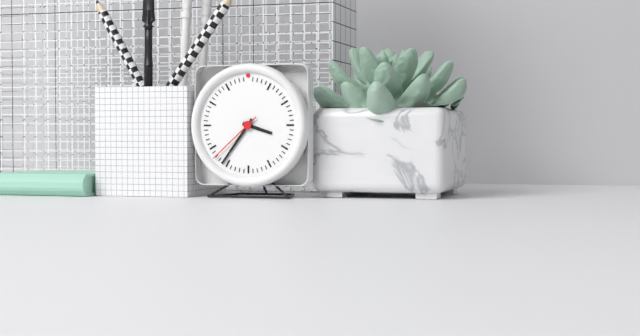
3:36:38
